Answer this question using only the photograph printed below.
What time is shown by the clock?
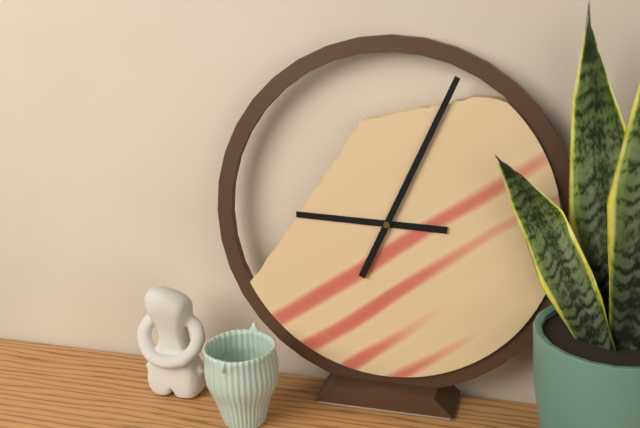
9:04
